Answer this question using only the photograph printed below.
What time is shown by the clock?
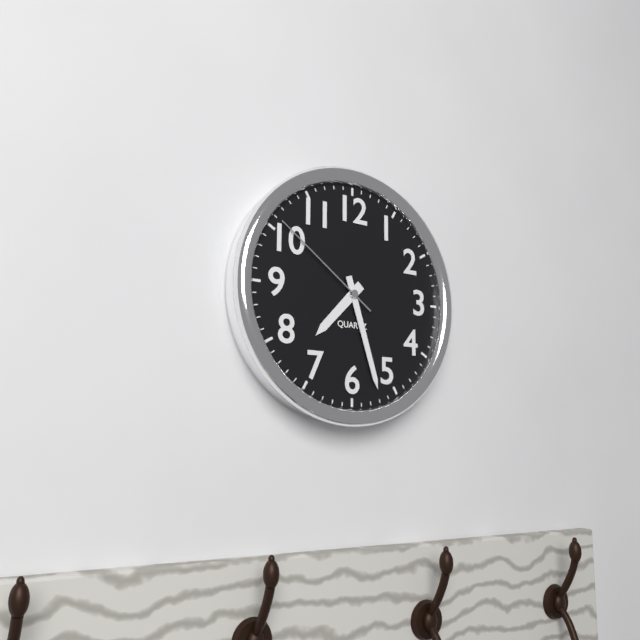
7:27:51
